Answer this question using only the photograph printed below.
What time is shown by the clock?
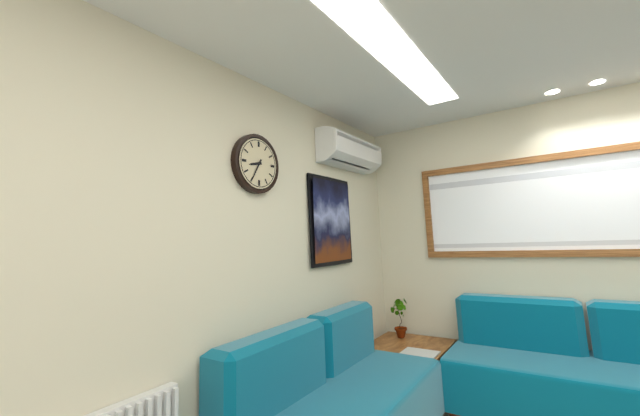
8:35
